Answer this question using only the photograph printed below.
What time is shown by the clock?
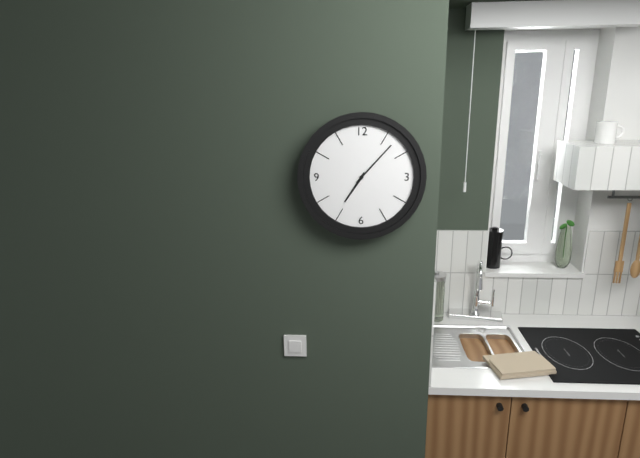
7:07
